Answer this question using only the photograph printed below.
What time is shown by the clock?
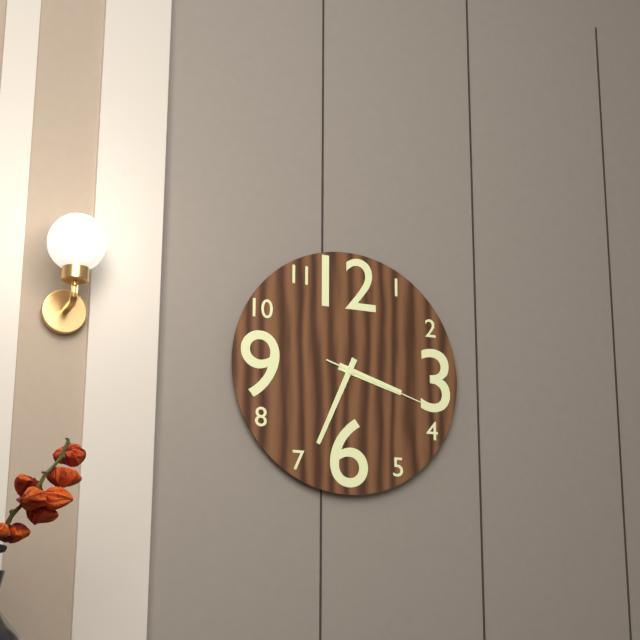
3:34:18
